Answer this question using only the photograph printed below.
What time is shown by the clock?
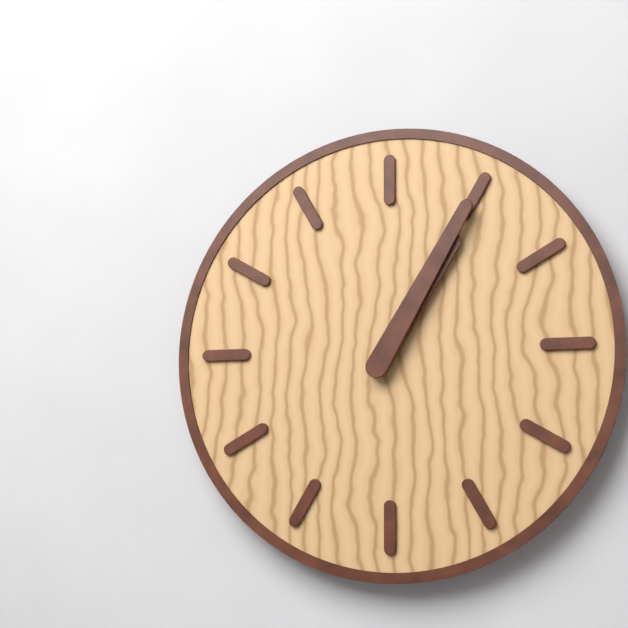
1:05
